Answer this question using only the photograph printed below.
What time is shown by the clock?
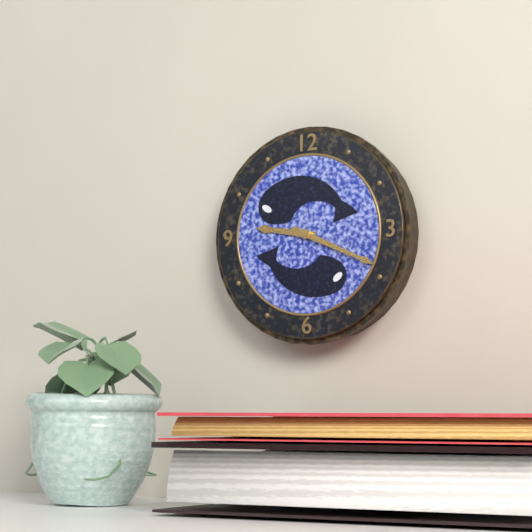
9:19
